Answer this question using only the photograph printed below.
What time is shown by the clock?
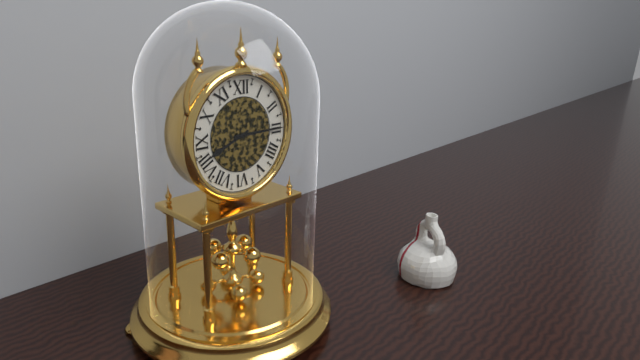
8:15
